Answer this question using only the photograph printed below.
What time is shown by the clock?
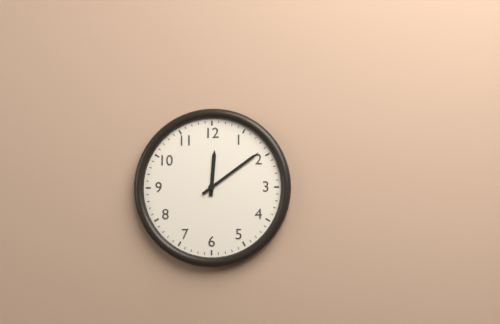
12:09
